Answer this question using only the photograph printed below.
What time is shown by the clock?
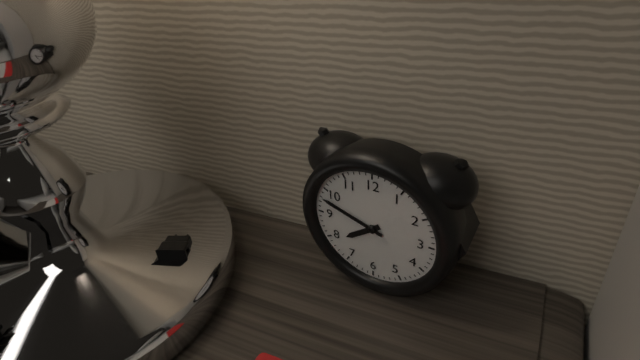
7:48
